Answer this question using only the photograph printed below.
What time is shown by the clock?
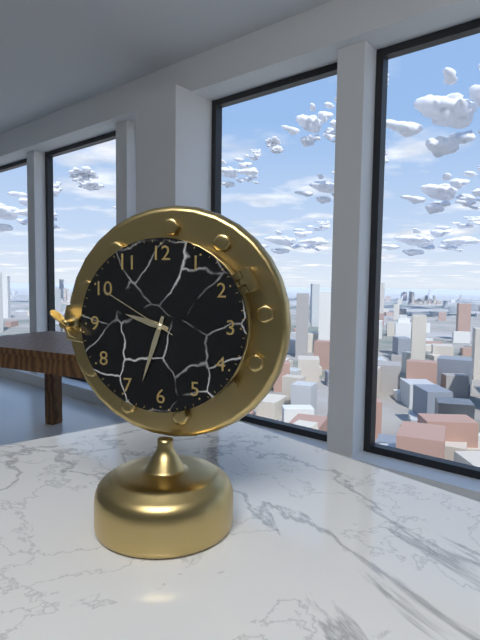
9:33:50
